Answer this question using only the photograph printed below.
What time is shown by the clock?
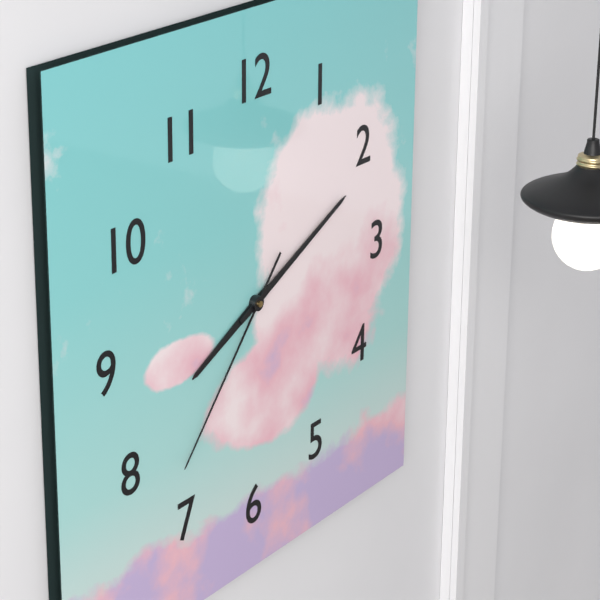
8:11:37
